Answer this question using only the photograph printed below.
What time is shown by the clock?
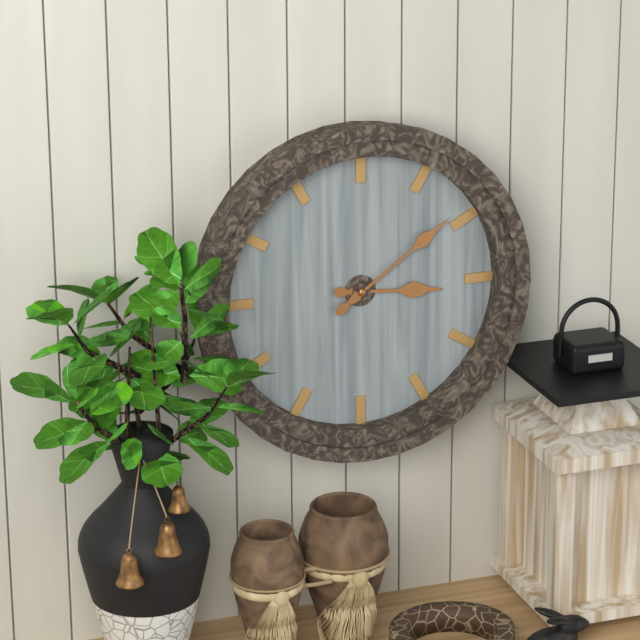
3:09
